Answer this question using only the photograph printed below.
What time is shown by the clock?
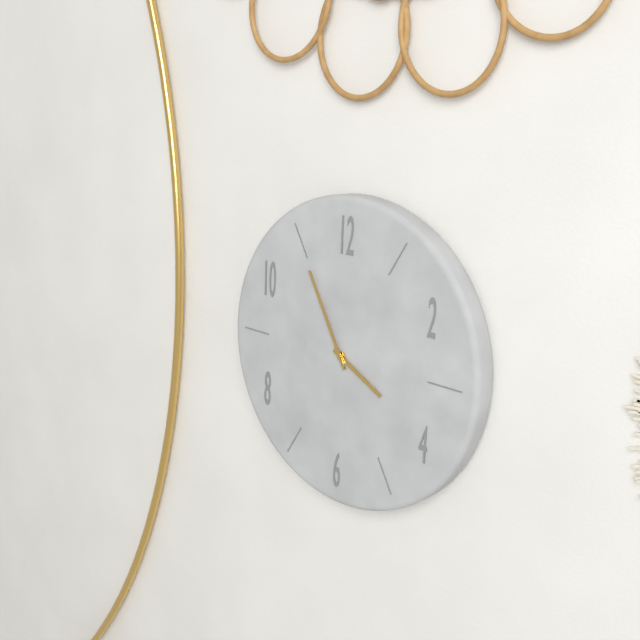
3:55
